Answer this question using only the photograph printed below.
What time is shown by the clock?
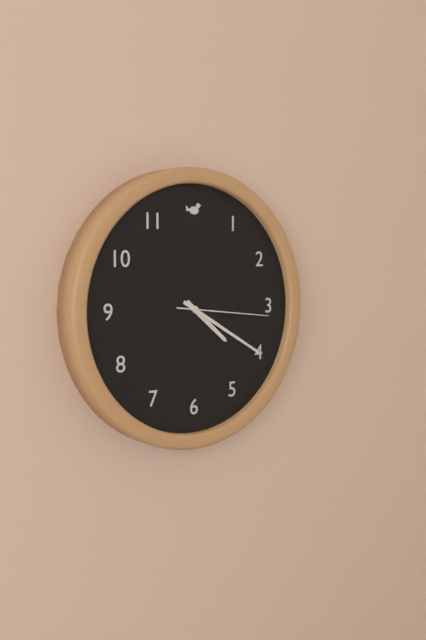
4:20:16
